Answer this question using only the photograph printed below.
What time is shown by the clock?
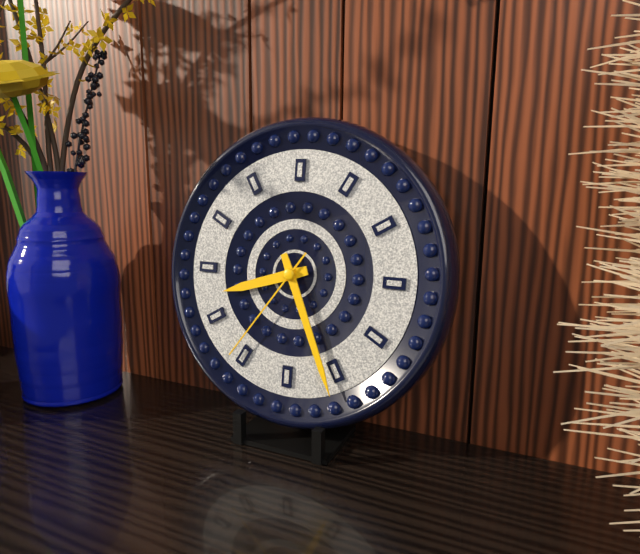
8:26:36
